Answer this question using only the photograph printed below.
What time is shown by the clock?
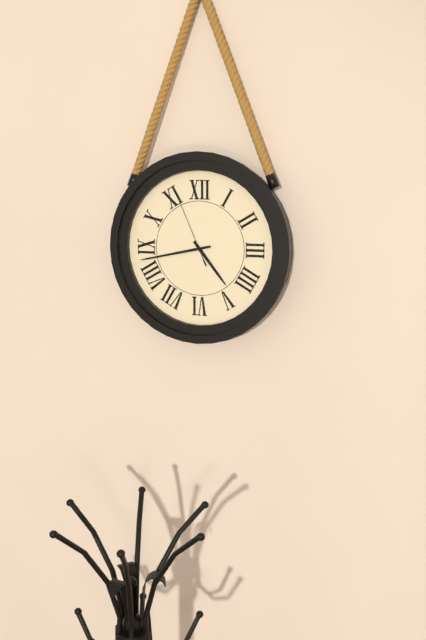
4:43:56
